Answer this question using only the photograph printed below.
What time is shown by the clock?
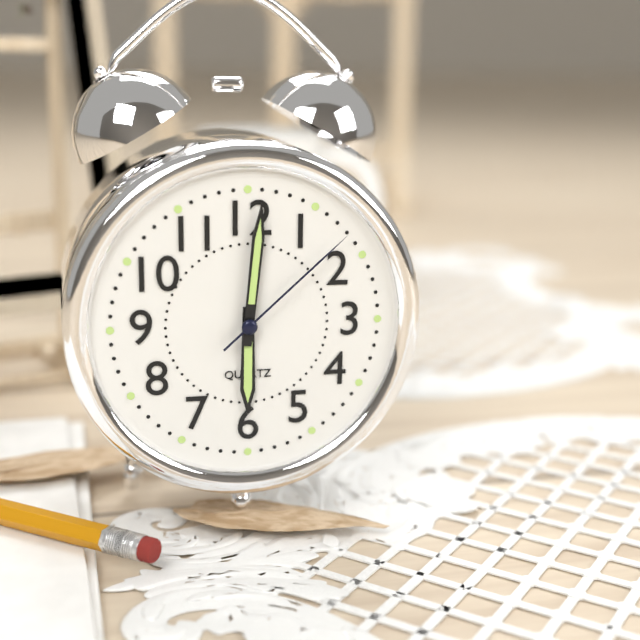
6:01:08
